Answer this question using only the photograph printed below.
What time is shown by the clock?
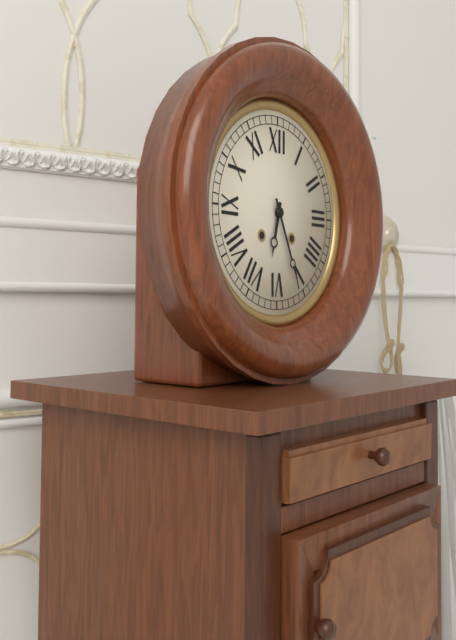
6:26
